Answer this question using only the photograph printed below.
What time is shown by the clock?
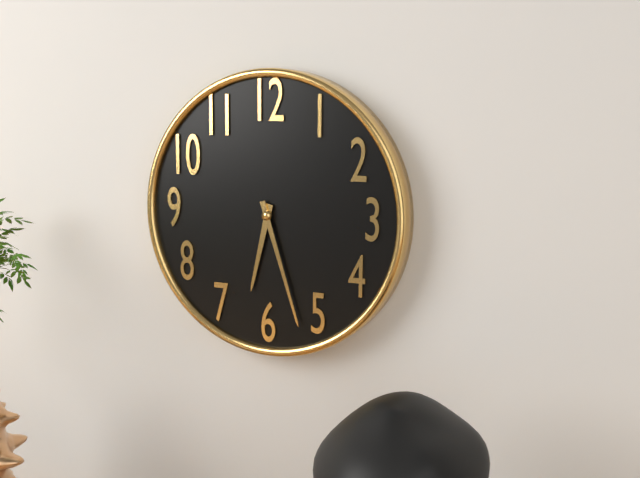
6:27
